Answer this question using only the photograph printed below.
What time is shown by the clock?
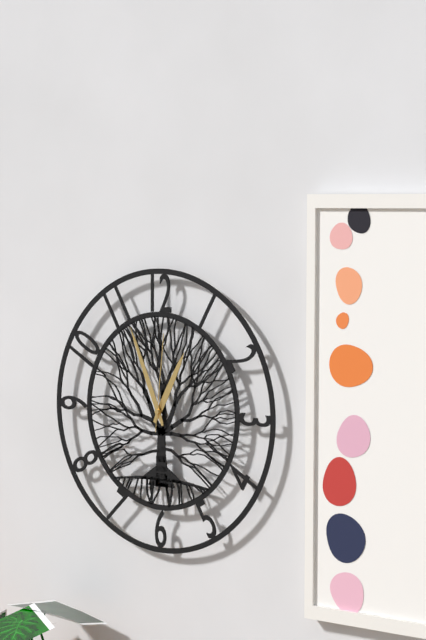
12:56:01
